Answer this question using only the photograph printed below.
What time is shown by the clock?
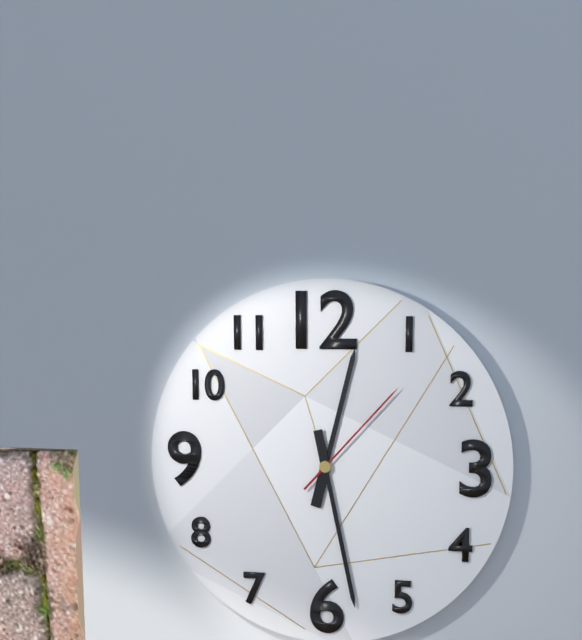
12:28:07
